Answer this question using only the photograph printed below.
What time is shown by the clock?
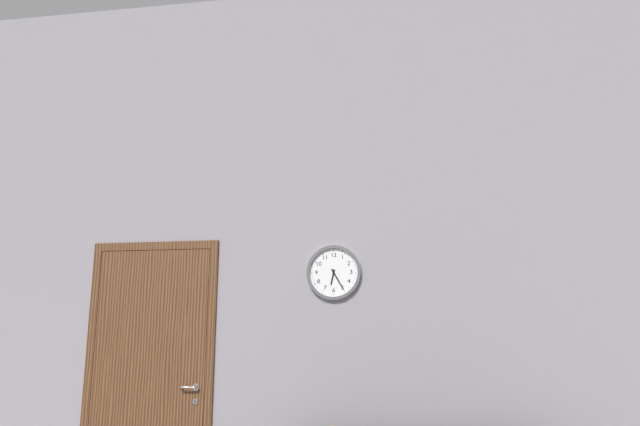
6:25
